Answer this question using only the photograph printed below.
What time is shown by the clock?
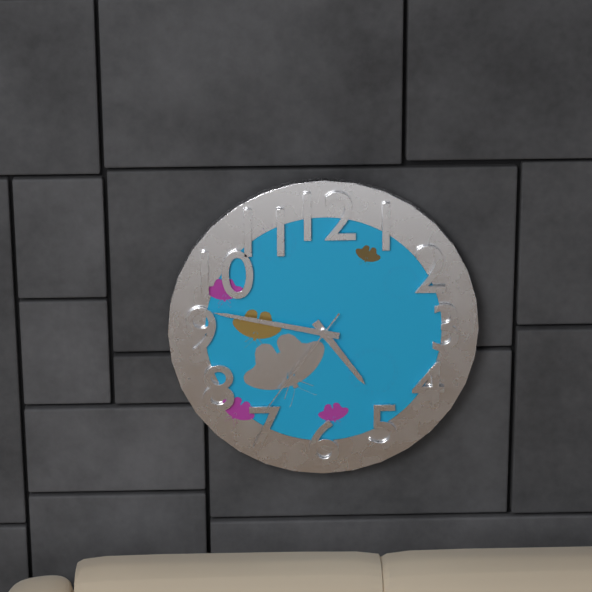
4:47:36
